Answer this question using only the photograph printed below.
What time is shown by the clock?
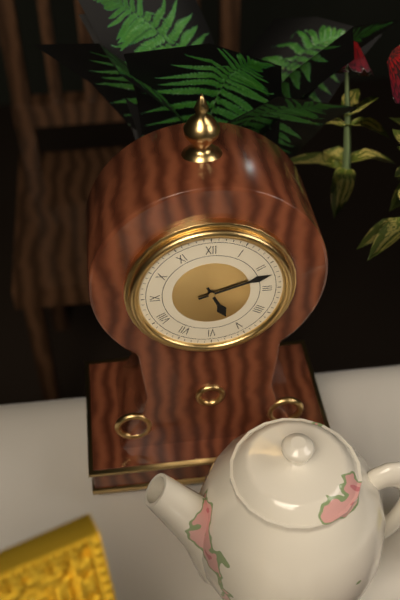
5:12
